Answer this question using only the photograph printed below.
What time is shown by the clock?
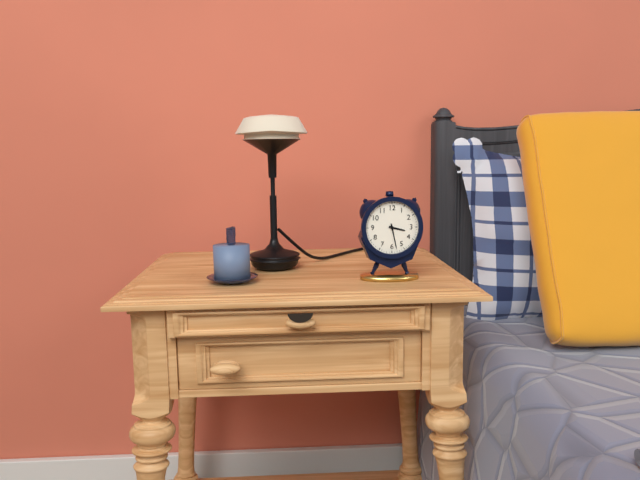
3:28
